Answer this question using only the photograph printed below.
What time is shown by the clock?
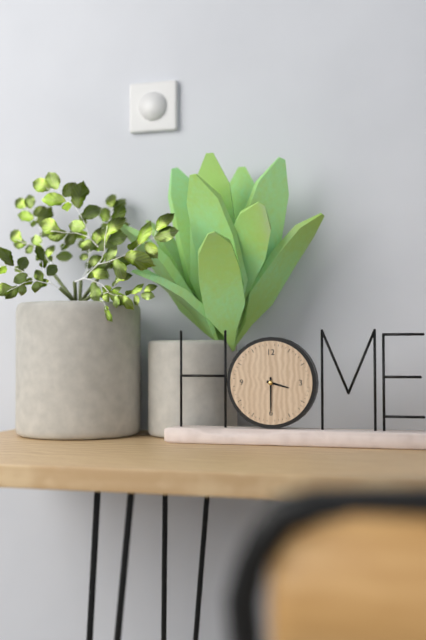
3:30
